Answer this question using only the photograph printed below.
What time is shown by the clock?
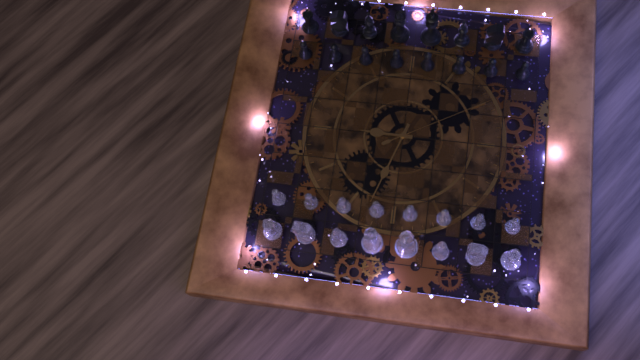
3:03:40
